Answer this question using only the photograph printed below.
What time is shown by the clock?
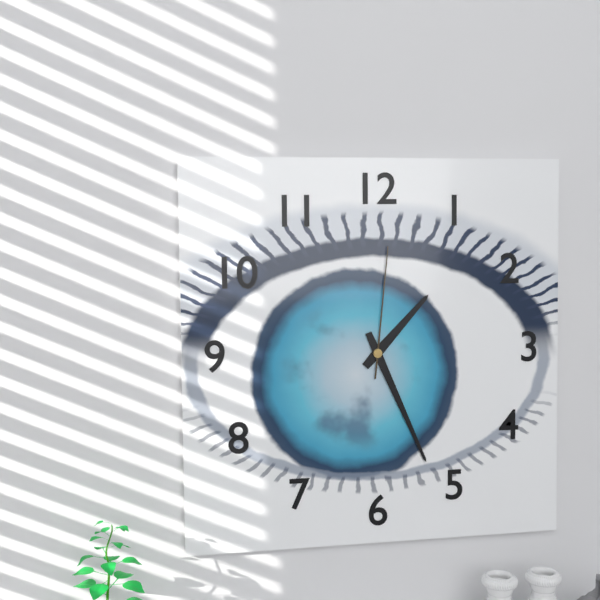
1:26:01
